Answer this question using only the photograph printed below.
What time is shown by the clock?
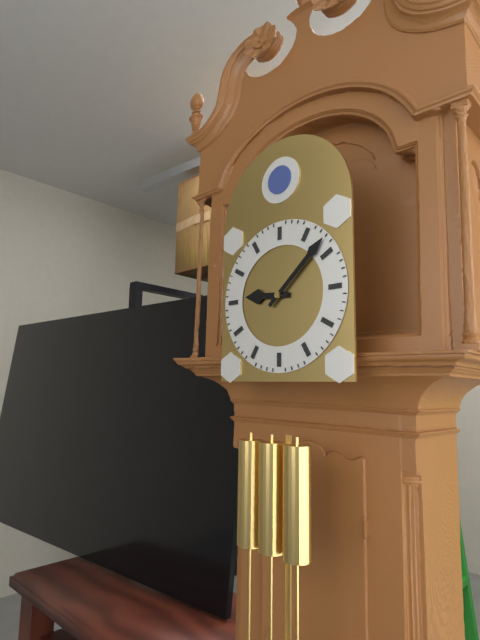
9:08
